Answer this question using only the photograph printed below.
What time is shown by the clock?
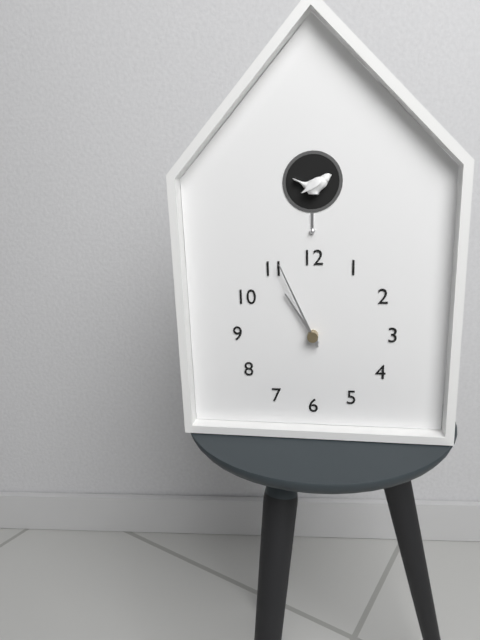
10:56
